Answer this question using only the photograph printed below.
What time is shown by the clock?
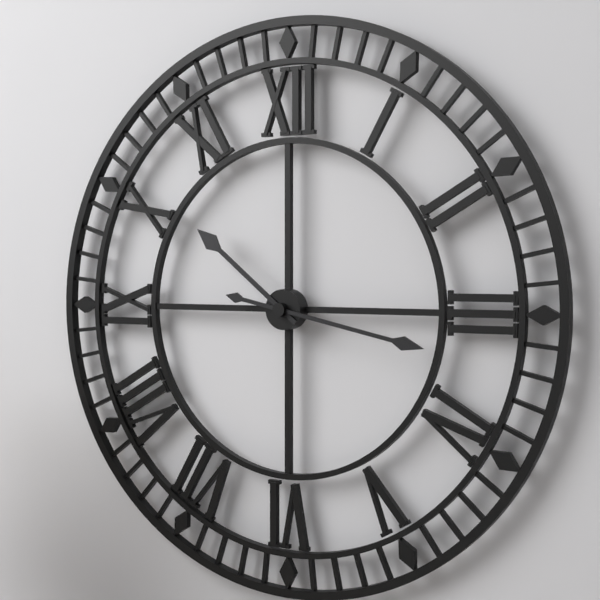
10:17
